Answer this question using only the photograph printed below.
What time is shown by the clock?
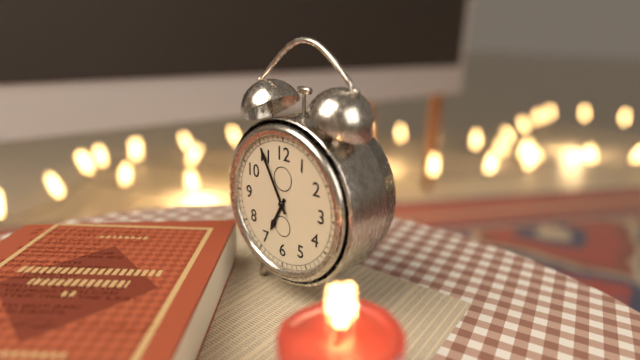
6:55
